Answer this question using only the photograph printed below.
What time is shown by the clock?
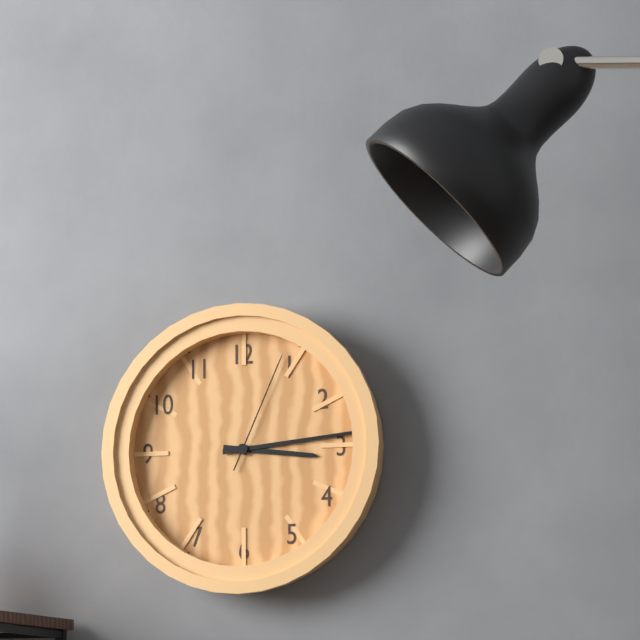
3:14:04
